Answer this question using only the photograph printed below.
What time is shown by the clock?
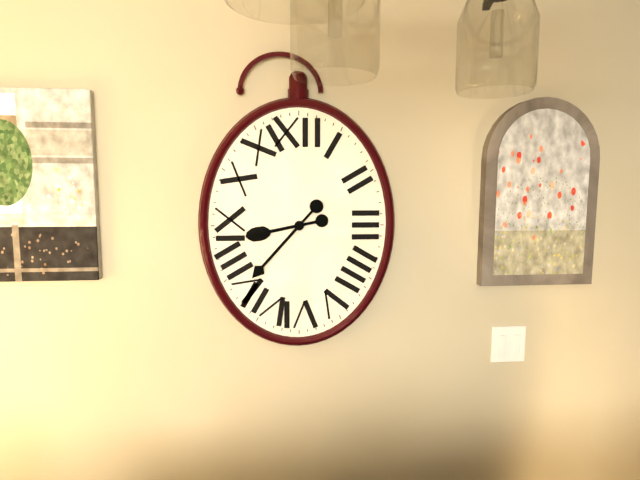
8:37
